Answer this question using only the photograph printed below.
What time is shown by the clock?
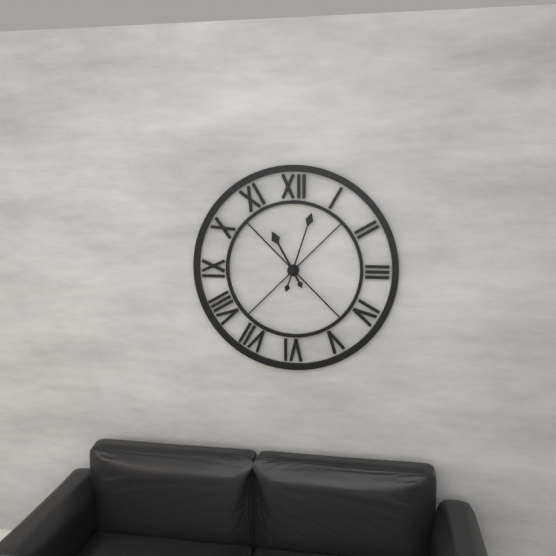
11:03
